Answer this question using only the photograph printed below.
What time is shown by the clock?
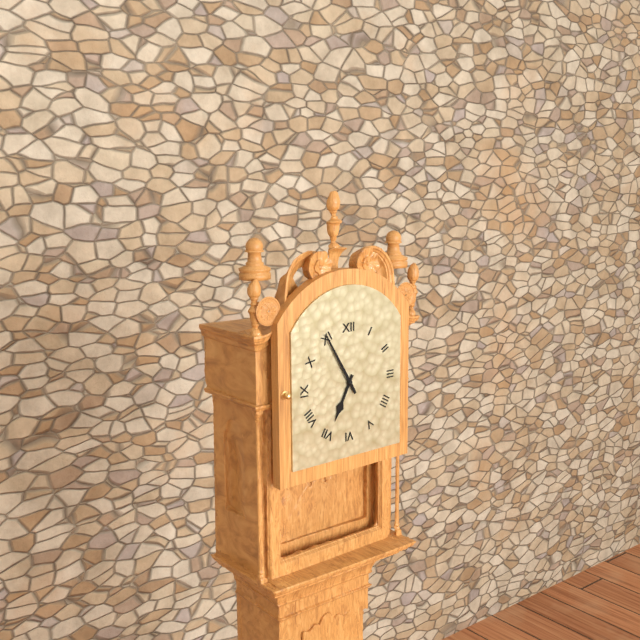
6:55
